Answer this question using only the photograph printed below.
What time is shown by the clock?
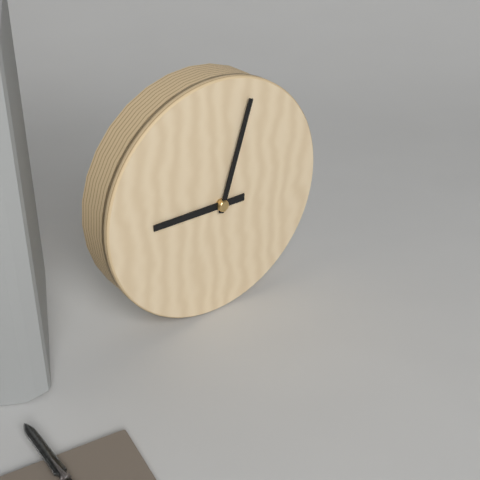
9:03
